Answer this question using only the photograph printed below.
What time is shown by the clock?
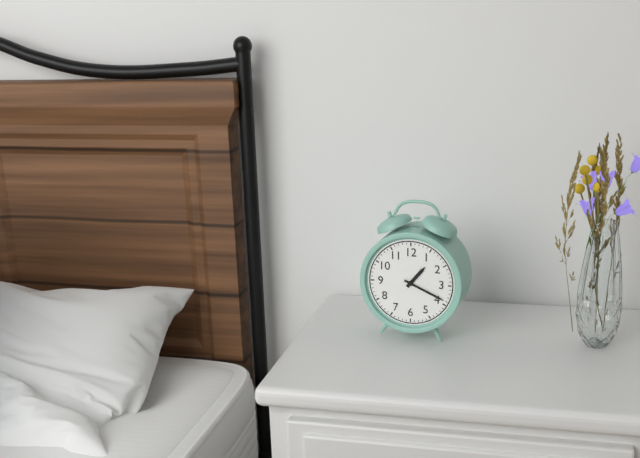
1:19
